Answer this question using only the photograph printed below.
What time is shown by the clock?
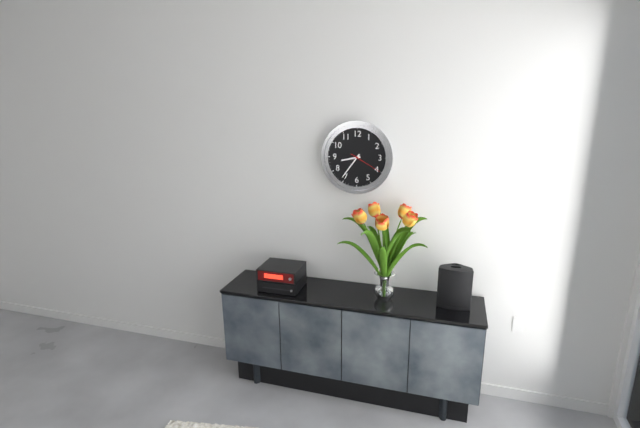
8:36
